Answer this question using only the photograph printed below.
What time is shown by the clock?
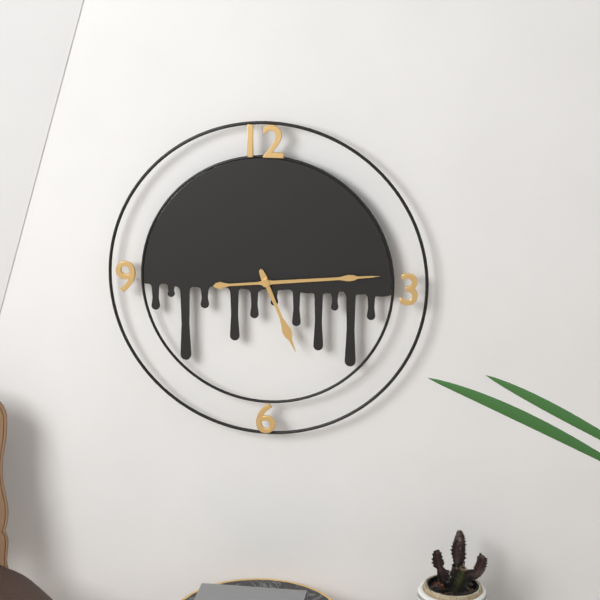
5:14
